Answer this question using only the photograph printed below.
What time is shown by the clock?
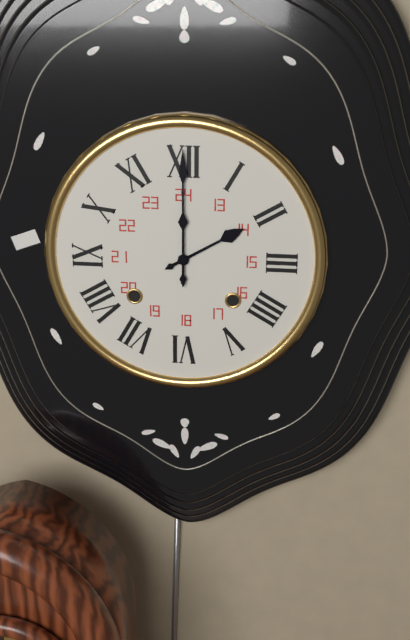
2:00
